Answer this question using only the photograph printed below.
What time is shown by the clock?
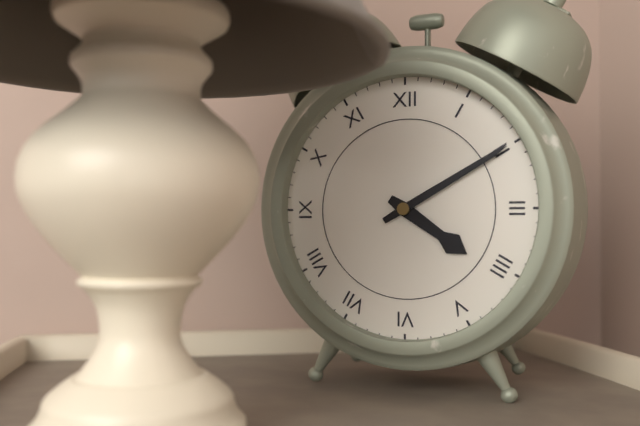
4:10
